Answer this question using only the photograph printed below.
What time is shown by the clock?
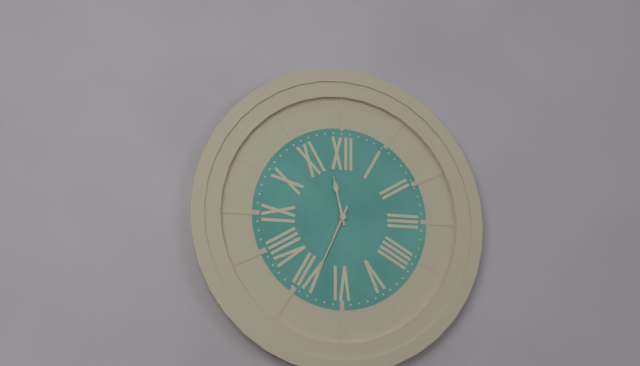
11:34
